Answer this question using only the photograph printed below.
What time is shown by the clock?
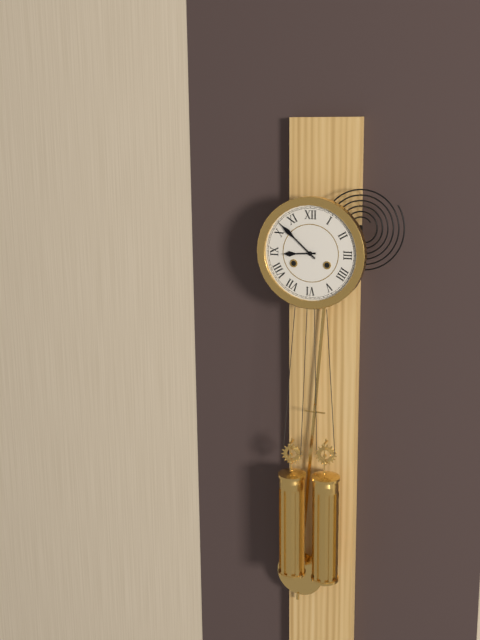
8:52
